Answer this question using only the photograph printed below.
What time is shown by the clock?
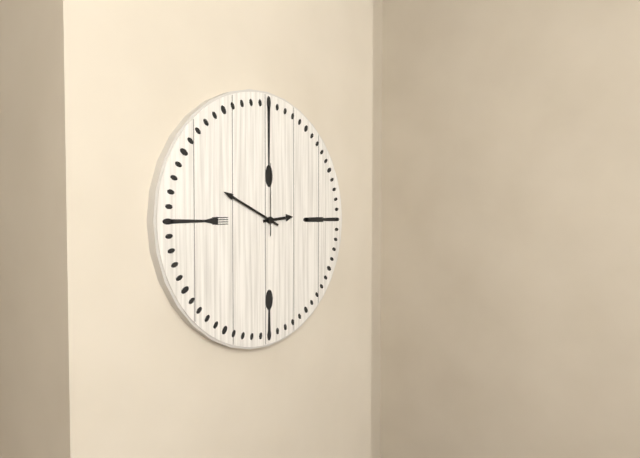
2:49:00
